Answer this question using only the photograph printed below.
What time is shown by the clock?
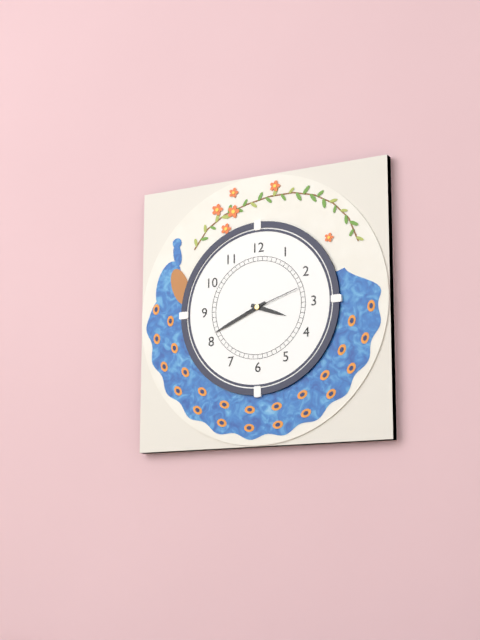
3:41:12
